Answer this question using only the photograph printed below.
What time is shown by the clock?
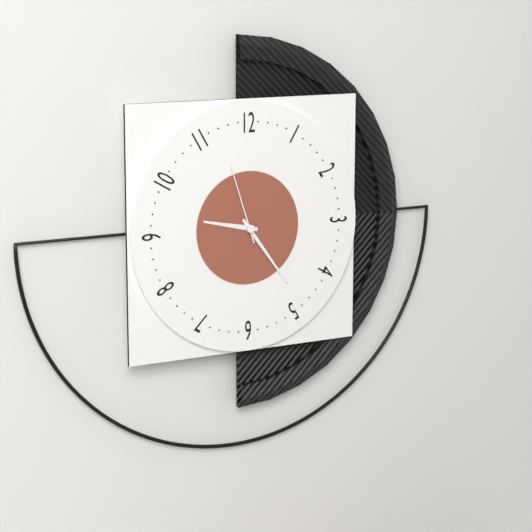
9:24:57
